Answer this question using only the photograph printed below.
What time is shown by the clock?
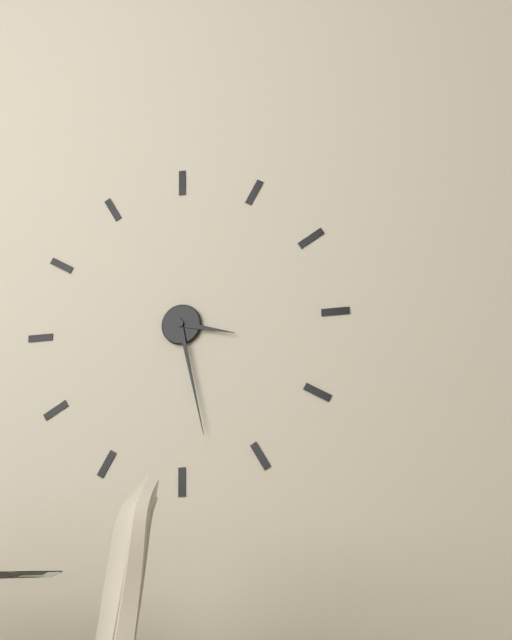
3:28
